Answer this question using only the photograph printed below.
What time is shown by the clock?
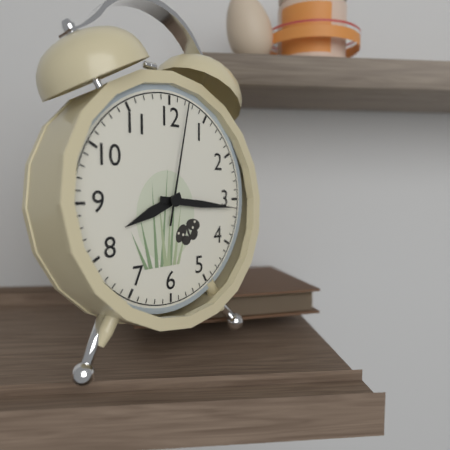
8:16:02
